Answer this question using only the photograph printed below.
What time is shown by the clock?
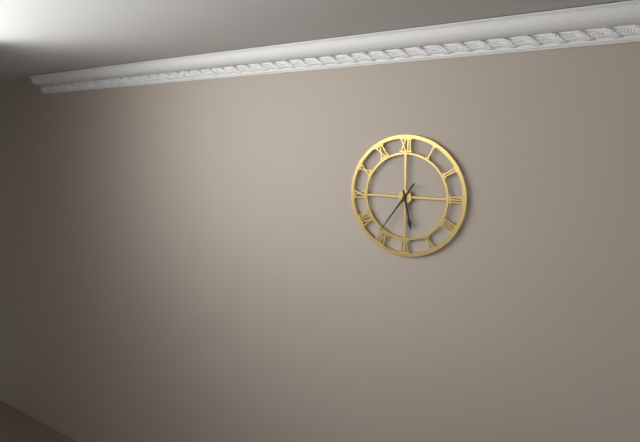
5:36
